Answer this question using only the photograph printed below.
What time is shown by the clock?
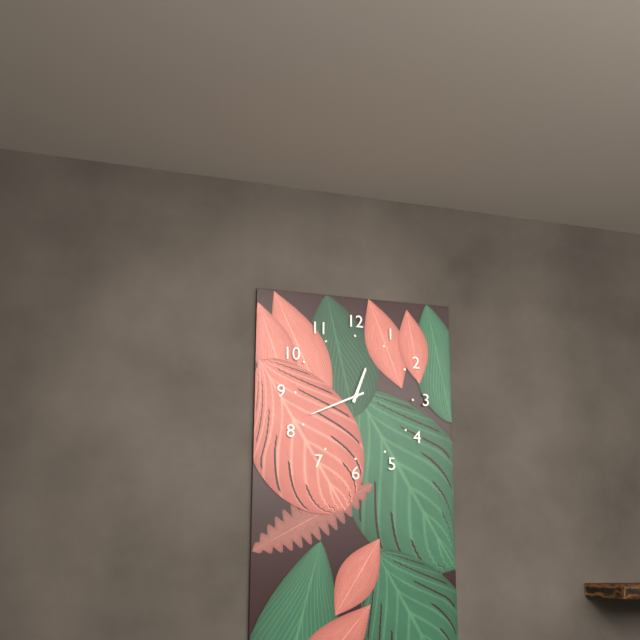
12:41
